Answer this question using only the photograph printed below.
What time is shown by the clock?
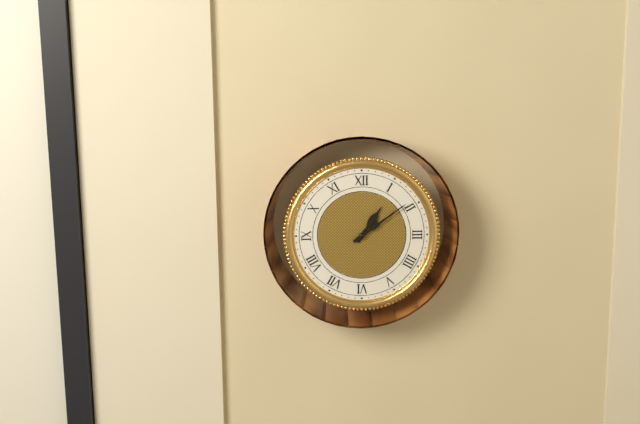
1:09
